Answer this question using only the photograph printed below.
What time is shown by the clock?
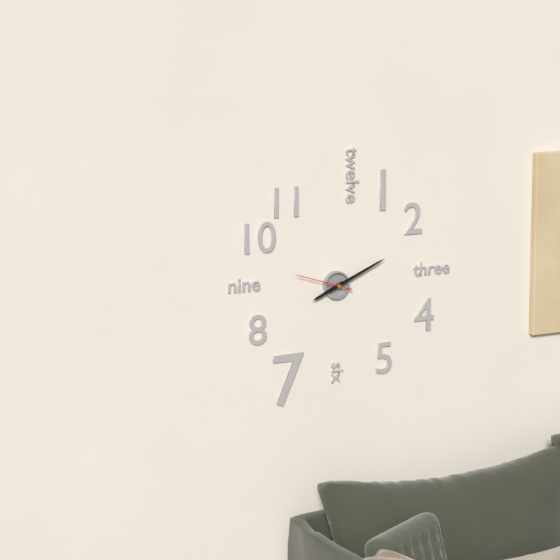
8:11:48
